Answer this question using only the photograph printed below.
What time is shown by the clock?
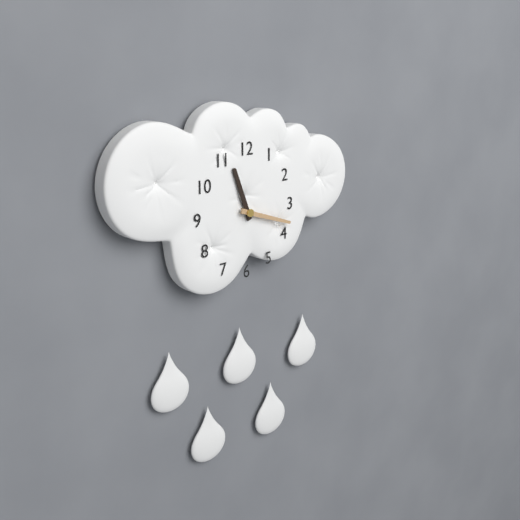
11:18
